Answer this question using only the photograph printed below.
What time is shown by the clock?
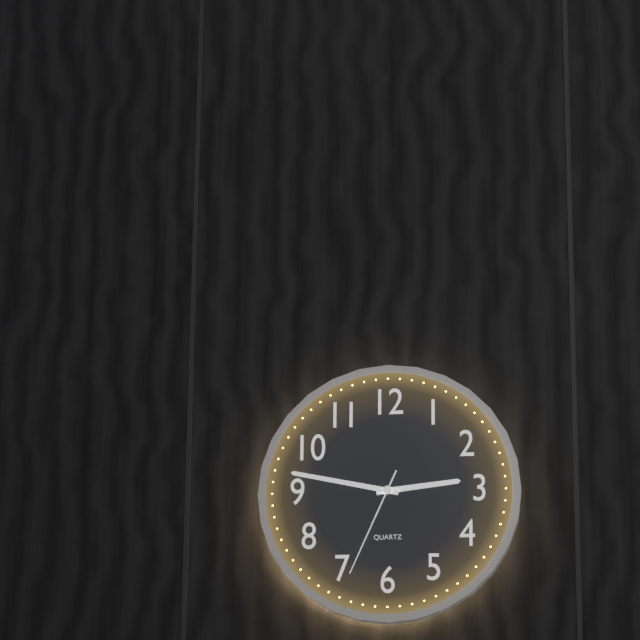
2:47:34
